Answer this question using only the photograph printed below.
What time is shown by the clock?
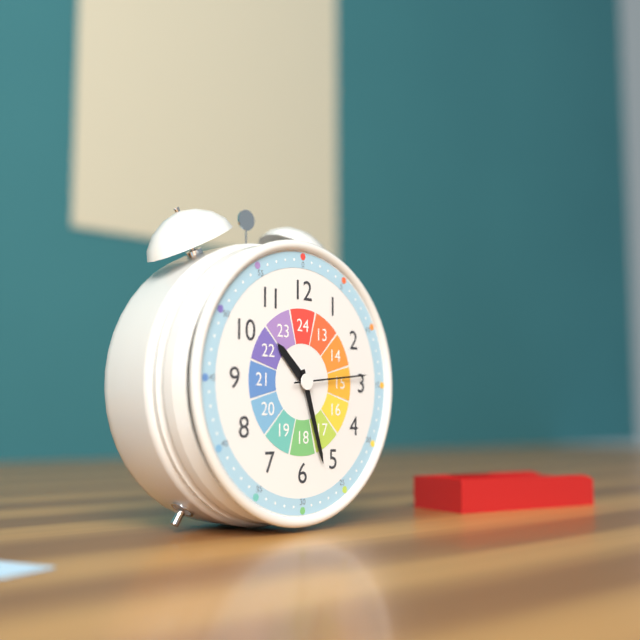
10:27:14
